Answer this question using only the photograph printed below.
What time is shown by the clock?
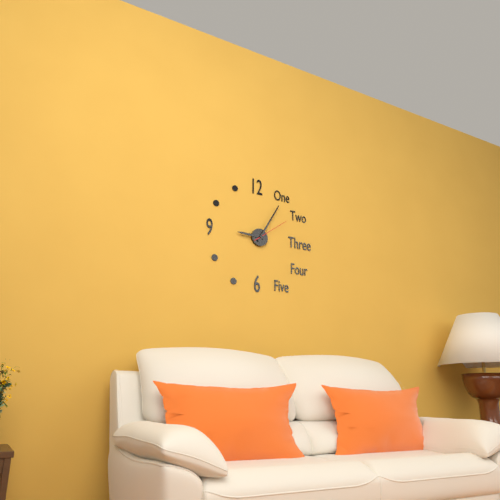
9:05
